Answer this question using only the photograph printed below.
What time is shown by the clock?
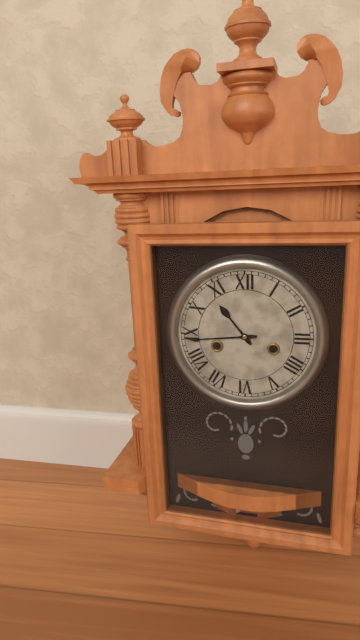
10:44
